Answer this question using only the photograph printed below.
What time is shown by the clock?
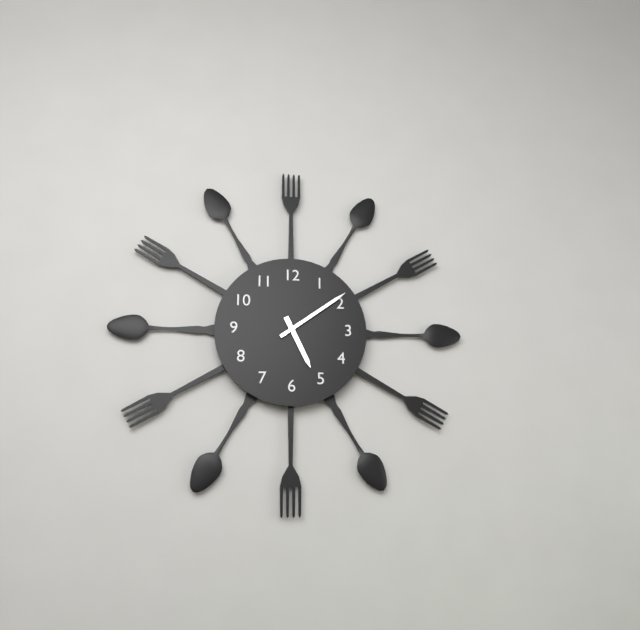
5:09
